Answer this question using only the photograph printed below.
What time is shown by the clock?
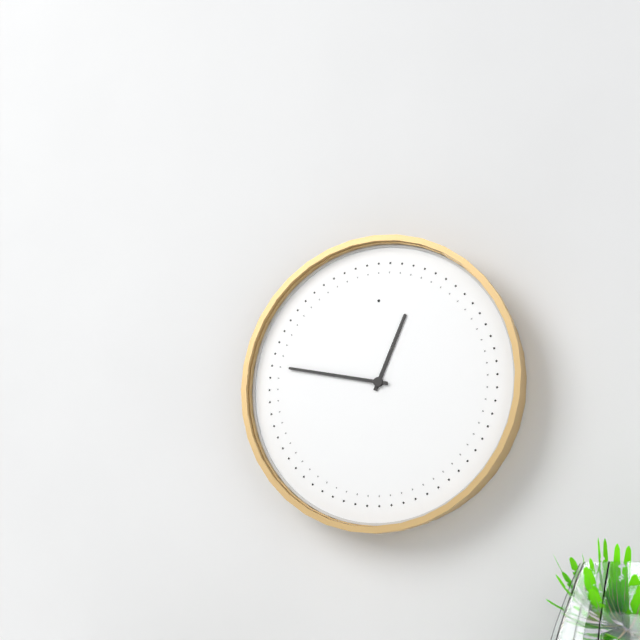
12:47
